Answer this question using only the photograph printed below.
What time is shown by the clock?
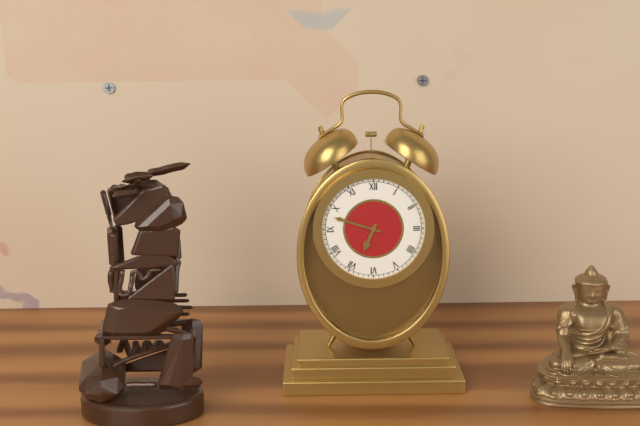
6:48
